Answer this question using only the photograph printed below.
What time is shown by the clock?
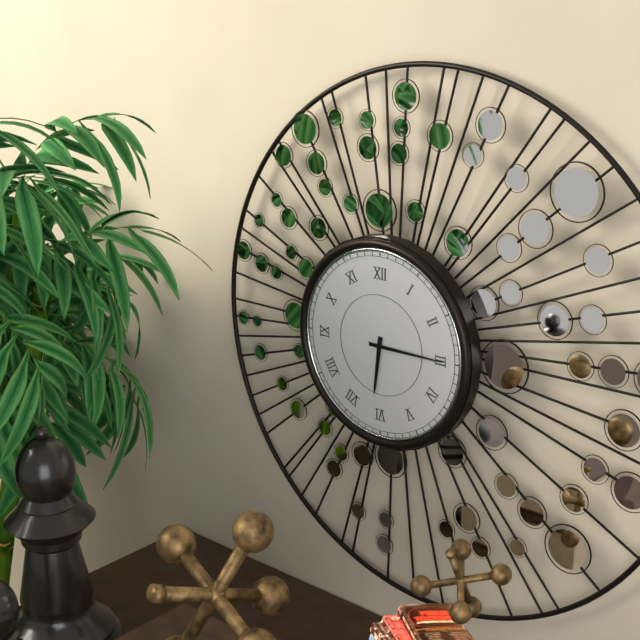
6:15
